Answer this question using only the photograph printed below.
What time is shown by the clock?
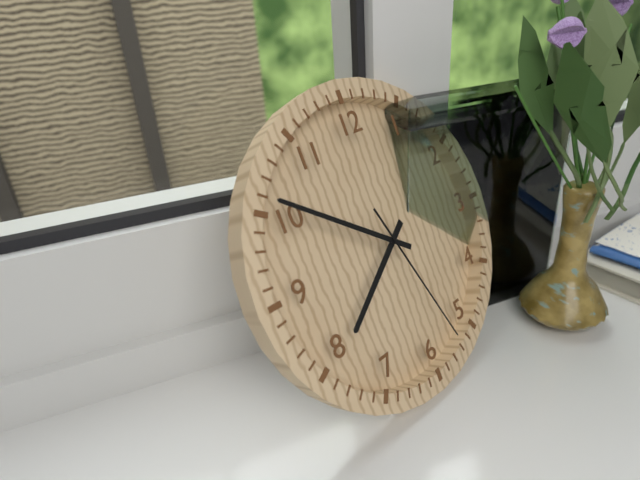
7:51:27
